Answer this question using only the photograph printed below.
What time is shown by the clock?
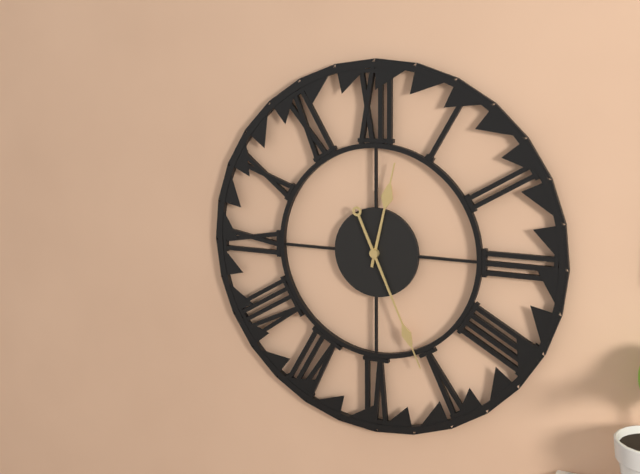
12:26
